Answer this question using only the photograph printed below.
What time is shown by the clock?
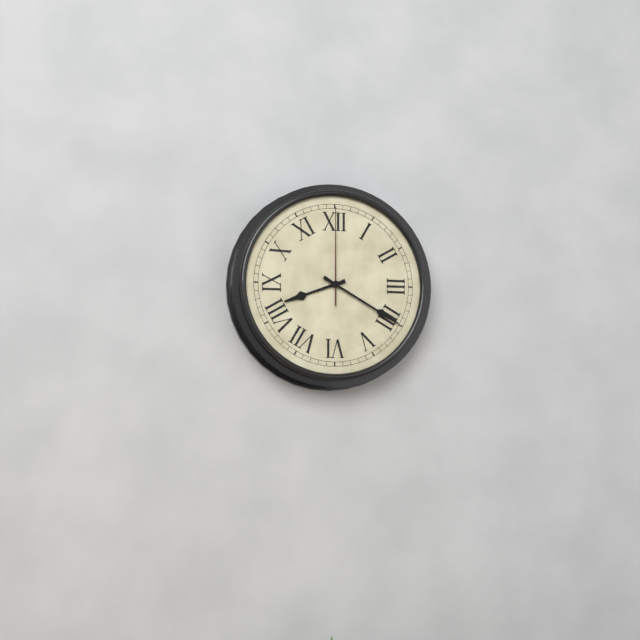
8:20:00
